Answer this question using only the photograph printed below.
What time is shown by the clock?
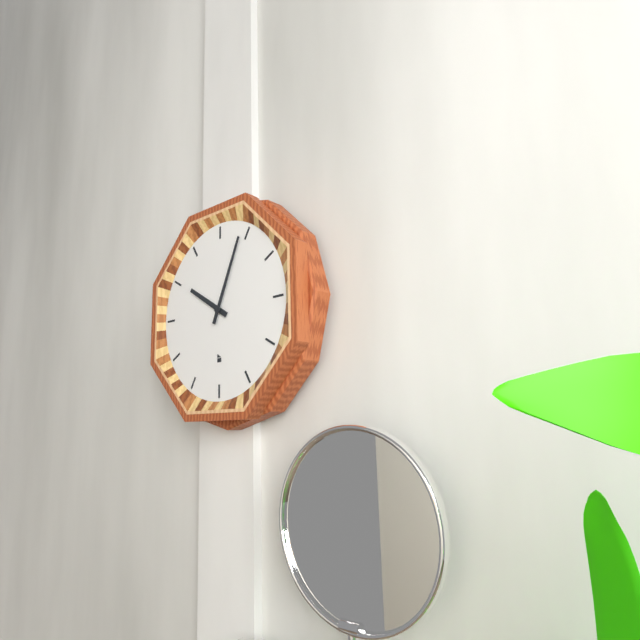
10:04
